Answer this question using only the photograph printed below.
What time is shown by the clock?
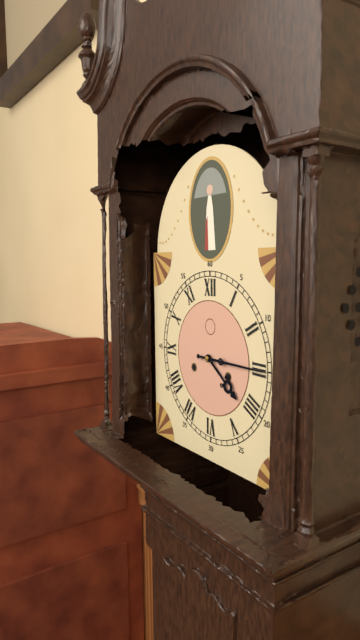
4:15
